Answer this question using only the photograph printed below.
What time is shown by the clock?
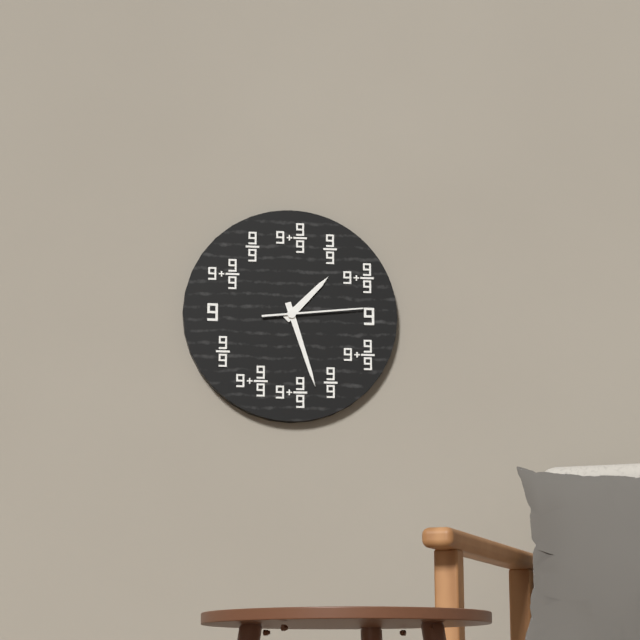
1:27:14
